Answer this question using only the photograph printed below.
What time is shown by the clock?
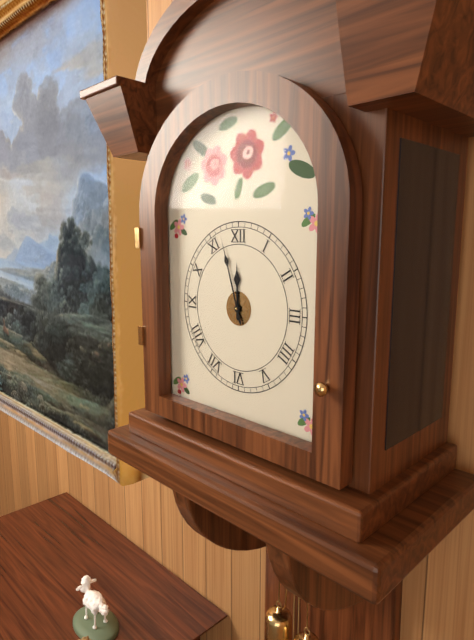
11:57
